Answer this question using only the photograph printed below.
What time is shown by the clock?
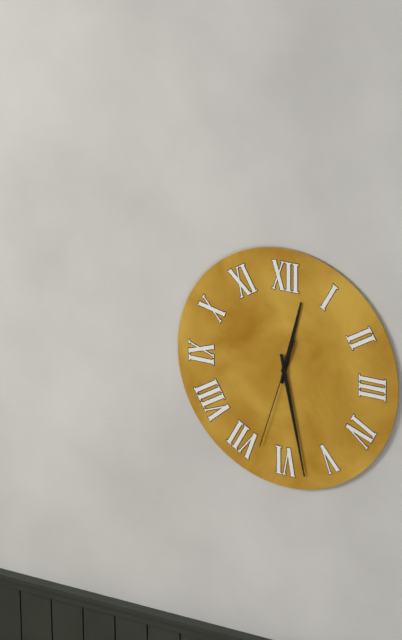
12:28:33
